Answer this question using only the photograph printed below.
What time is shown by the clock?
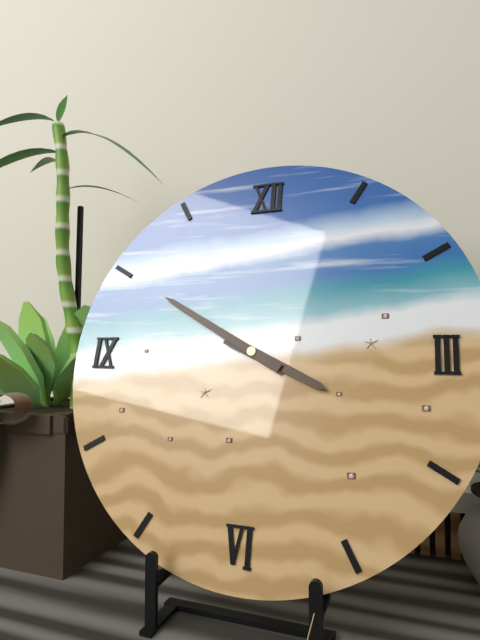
3:50
